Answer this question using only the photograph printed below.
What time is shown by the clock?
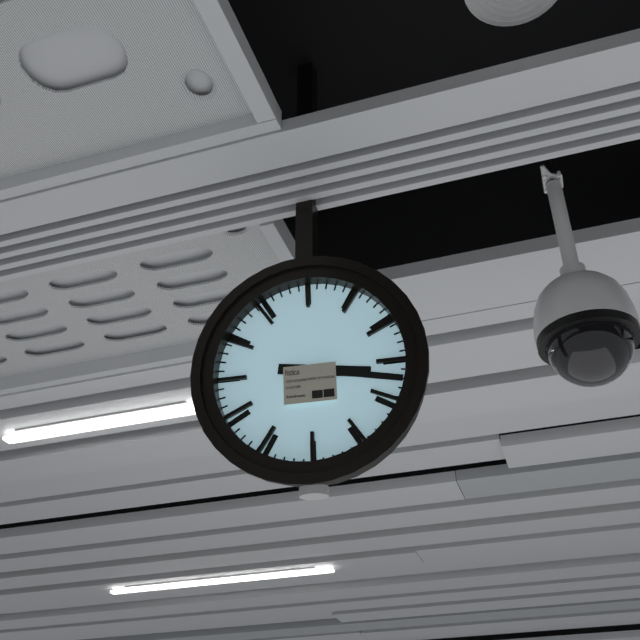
3:17
